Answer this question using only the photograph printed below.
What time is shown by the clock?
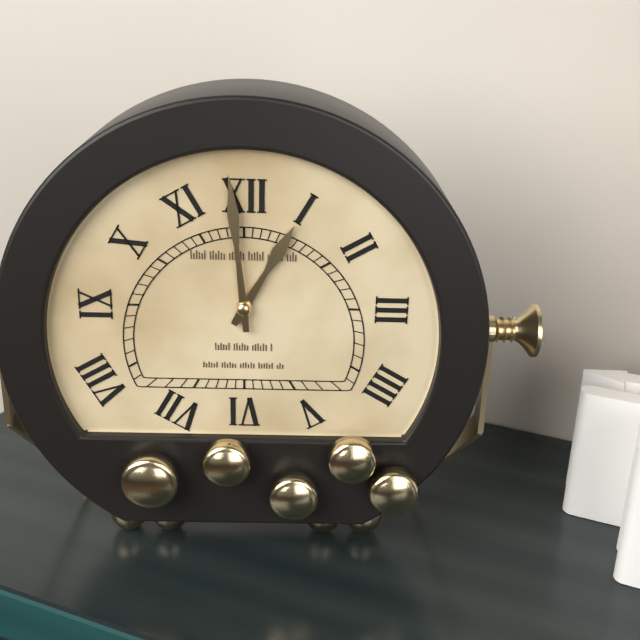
12:59
